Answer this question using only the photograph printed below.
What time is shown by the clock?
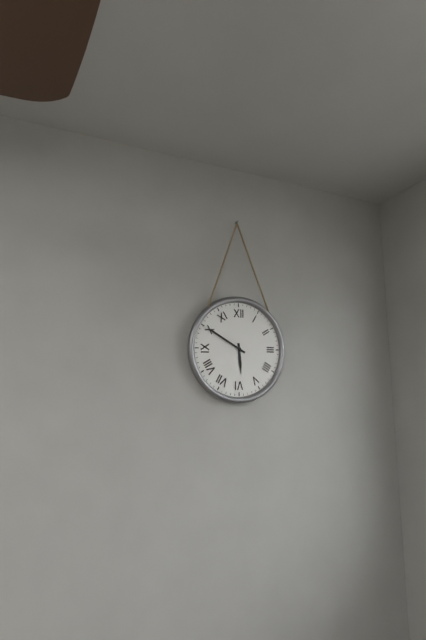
5:50
